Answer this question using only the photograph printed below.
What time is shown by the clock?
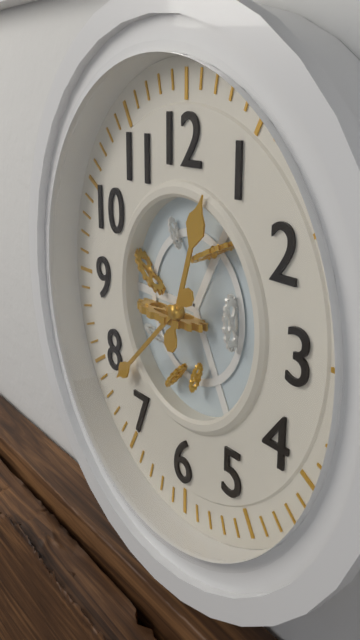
12:38
